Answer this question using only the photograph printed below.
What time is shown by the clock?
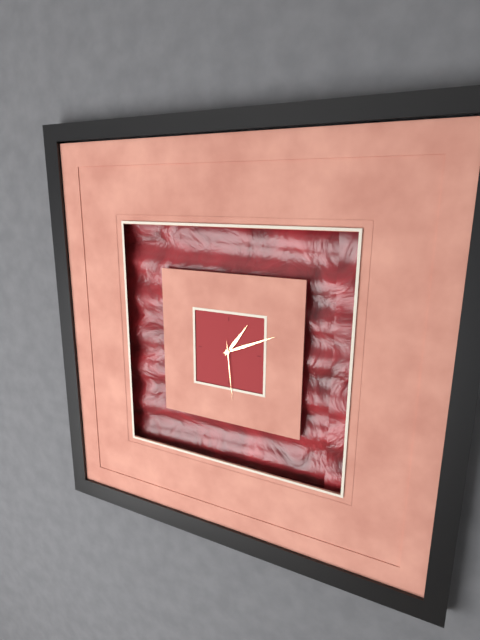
1:11:29
